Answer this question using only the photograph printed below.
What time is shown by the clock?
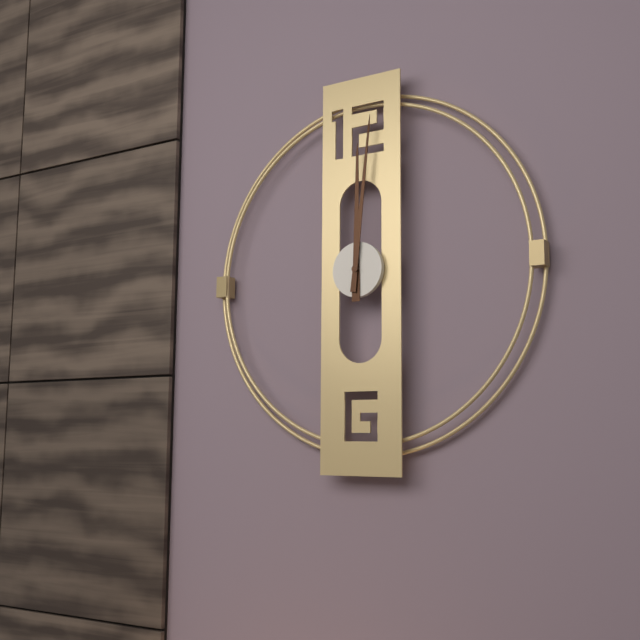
12:01
